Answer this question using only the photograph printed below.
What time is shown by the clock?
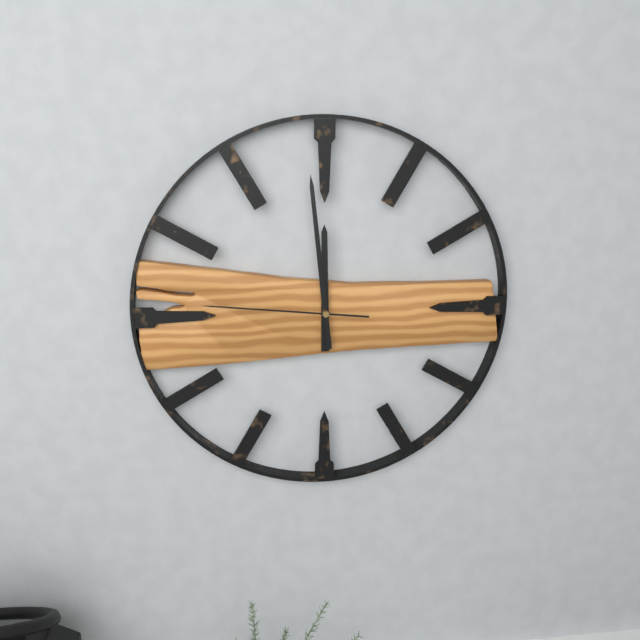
11:59:46
